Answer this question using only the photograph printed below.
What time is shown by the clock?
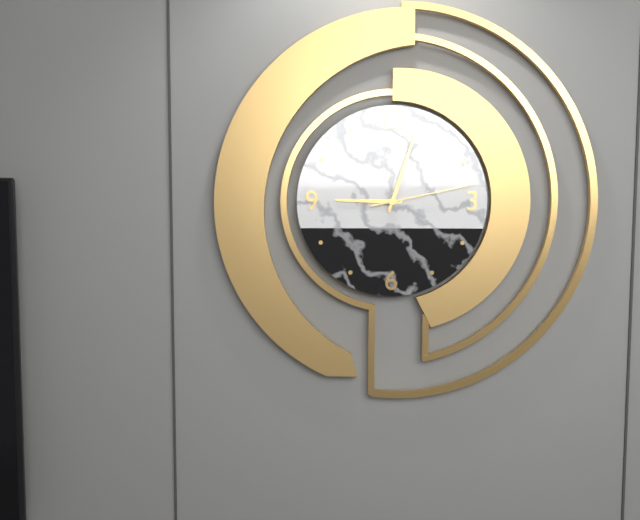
9:03:13
